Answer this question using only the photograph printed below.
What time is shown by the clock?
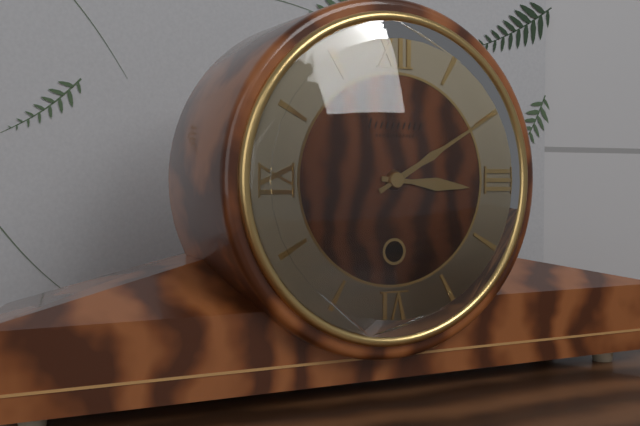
3:10
